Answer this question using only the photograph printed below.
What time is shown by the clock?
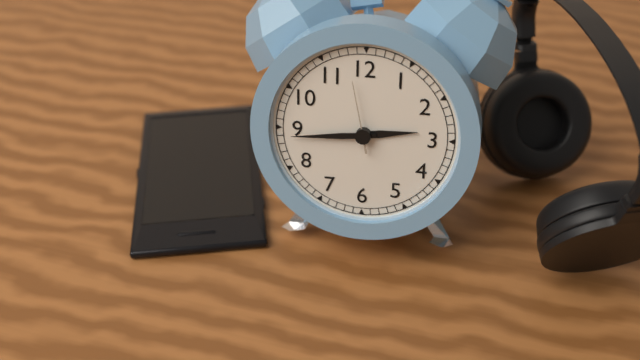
2:44:58
